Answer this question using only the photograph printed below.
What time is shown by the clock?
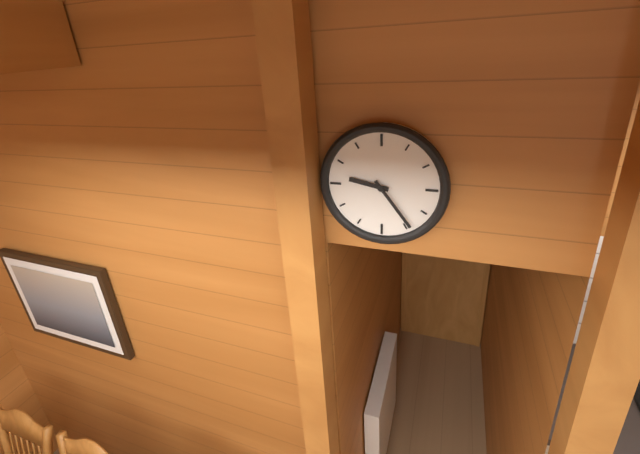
9:24
